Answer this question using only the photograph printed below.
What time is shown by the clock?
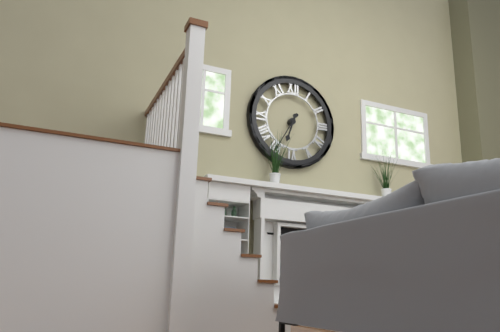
6:35
